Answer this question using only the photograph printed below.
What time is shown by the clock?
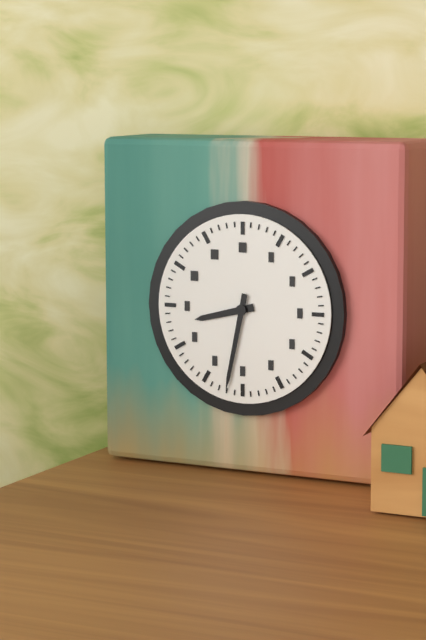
8:32
